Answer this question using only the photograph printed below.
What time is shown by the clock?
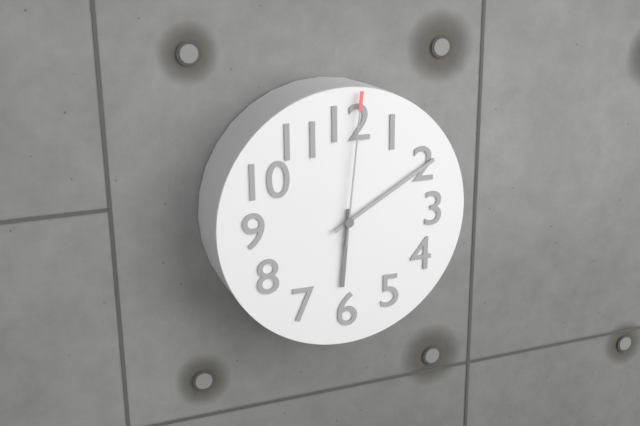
6:10:01
